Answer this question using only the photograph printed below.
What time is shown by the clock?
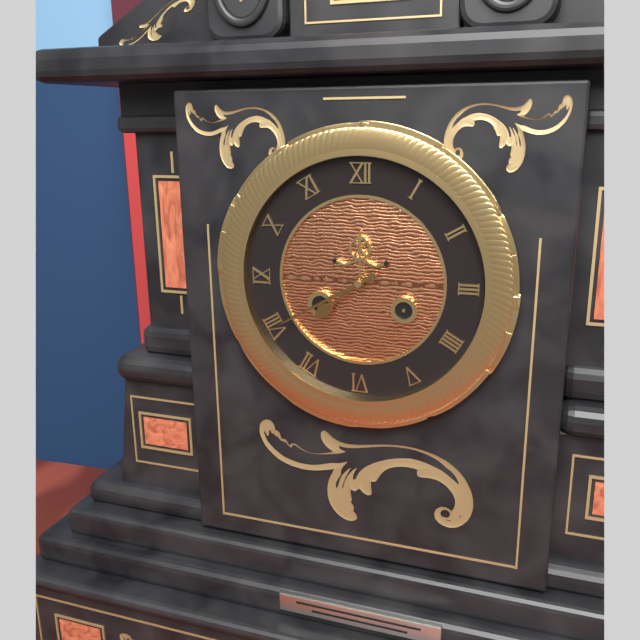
7:40
